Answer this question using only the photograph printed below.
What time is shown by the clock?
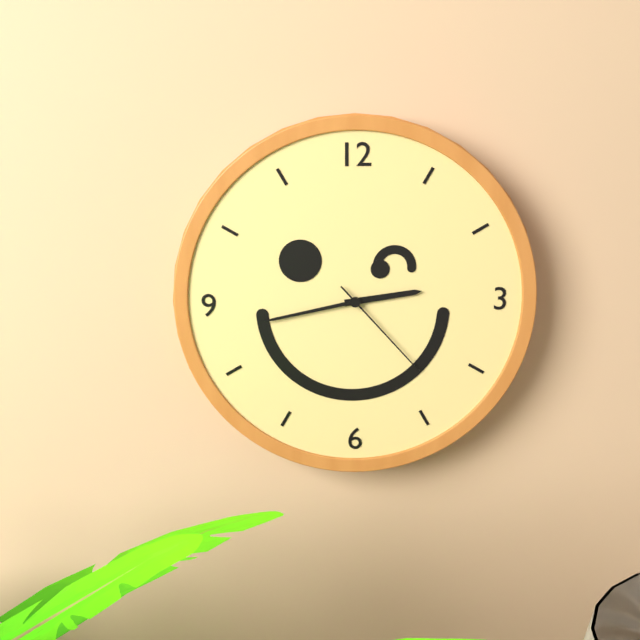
2:43:23
